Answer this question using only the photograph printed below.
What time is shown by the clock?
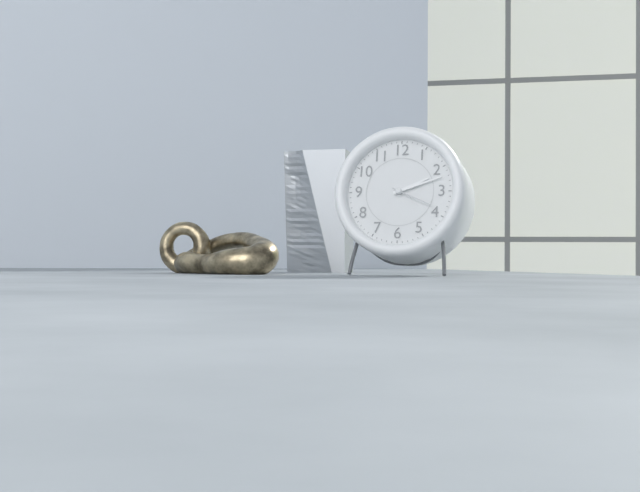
2:12
